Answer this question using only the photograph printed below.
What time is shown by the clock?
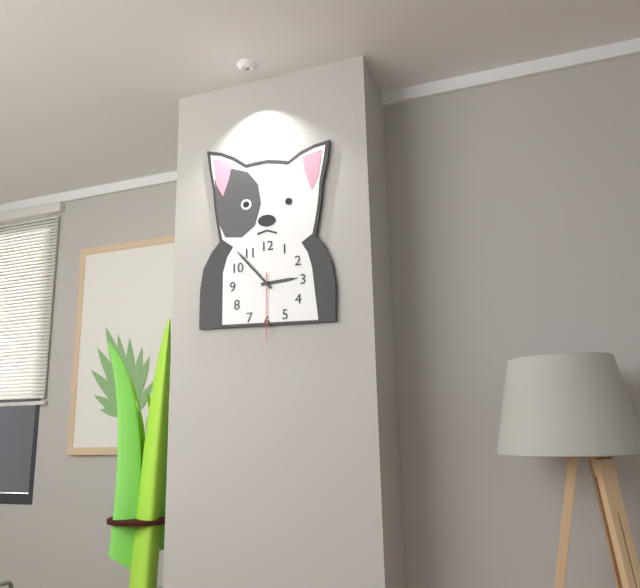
2:53:30
